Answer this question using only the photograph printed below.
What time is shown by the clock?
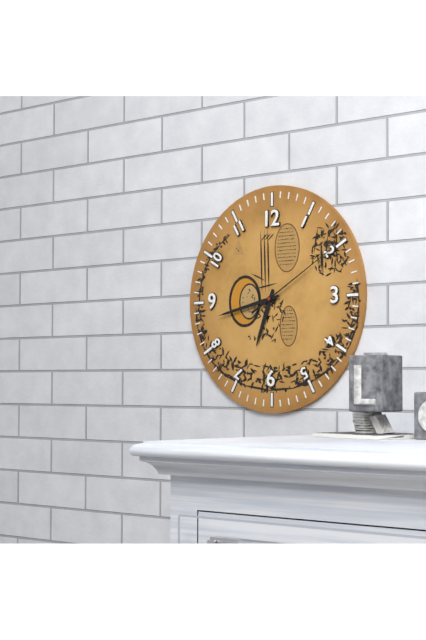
6:43:10
